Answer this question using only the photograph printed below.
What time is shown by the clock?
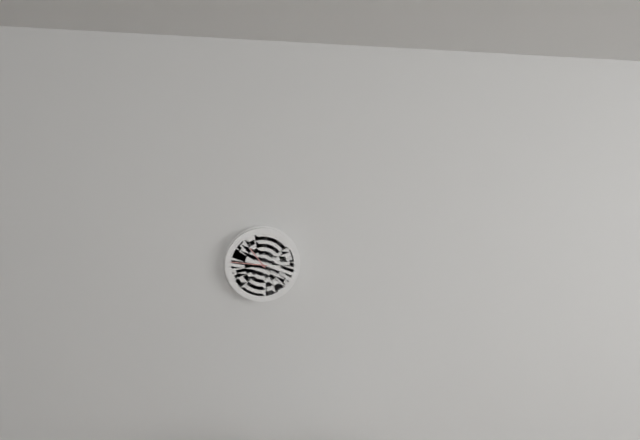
10:46
